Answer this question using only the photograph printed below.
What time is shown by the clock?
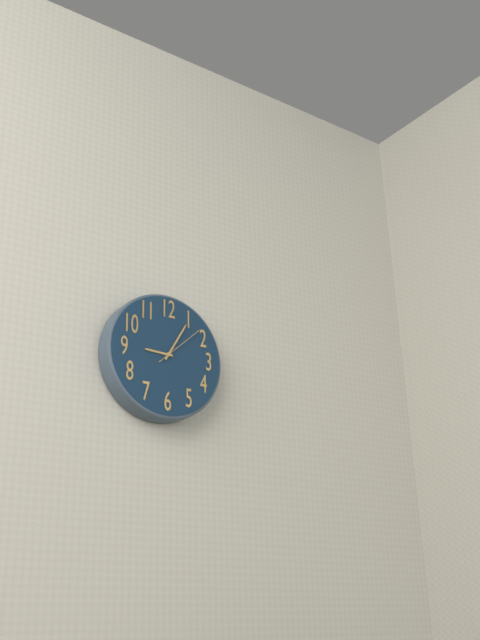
9:05:08
